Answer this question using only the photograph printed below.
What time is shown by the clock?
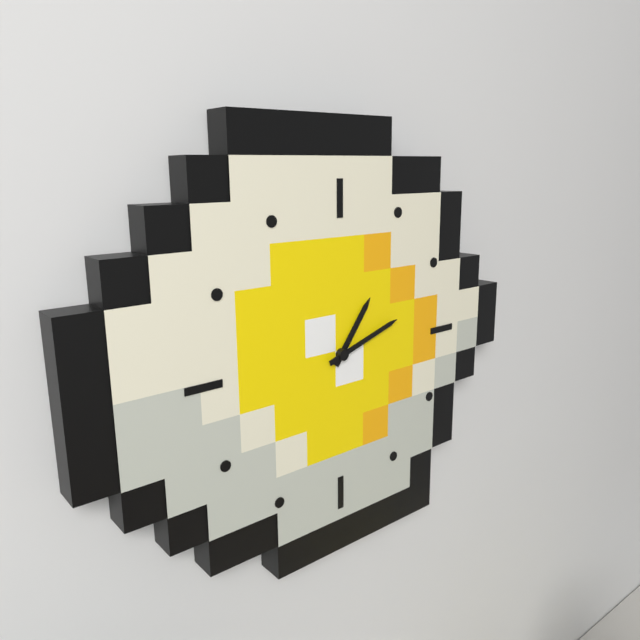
1:12
